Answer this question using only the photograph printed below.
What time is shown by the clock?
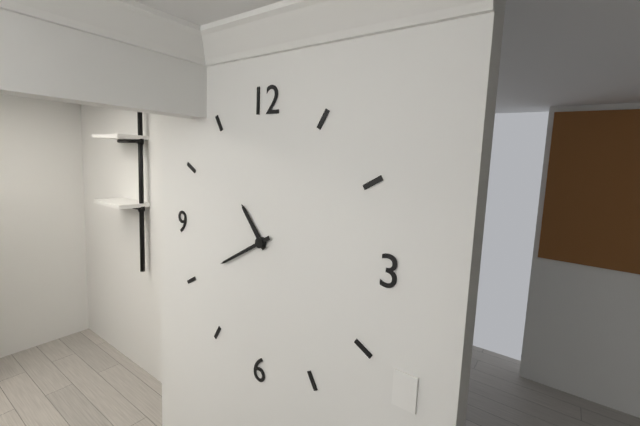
10:40
